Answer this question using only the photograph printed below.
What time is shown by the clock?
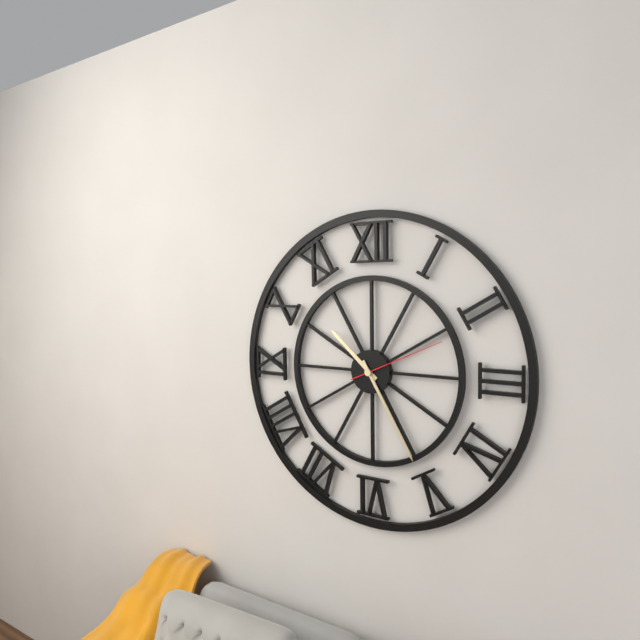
10:25:11
